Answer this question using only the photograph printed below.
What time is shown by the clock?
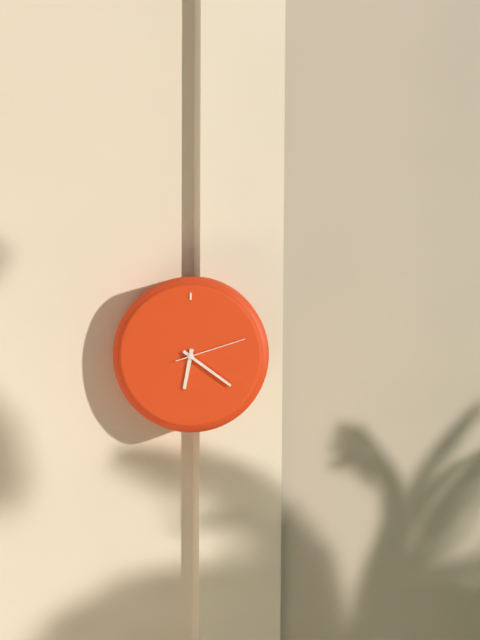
6:21:12
